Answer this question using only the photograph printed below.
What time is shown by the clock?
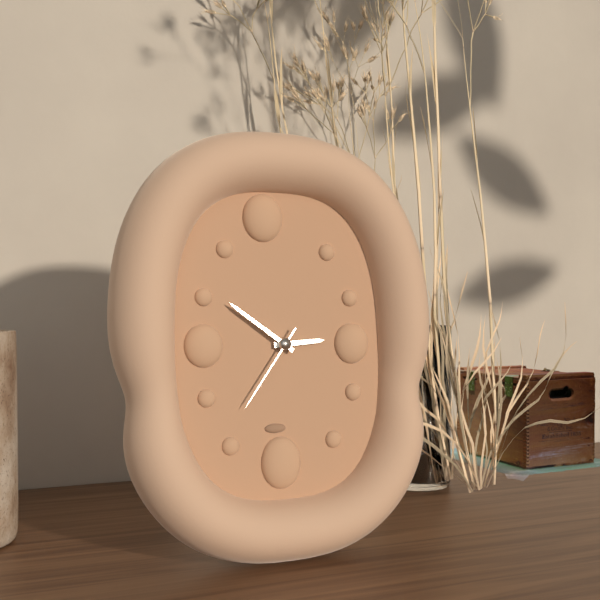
2:51:36
